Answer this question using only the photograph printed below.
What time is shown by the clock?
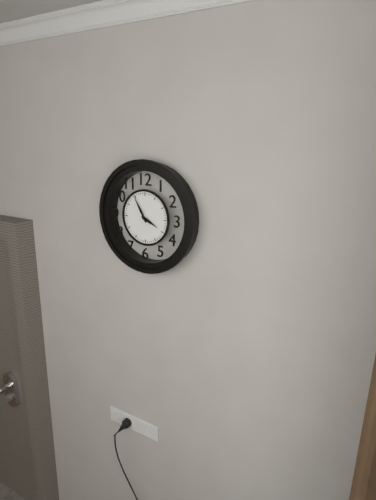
3:55
